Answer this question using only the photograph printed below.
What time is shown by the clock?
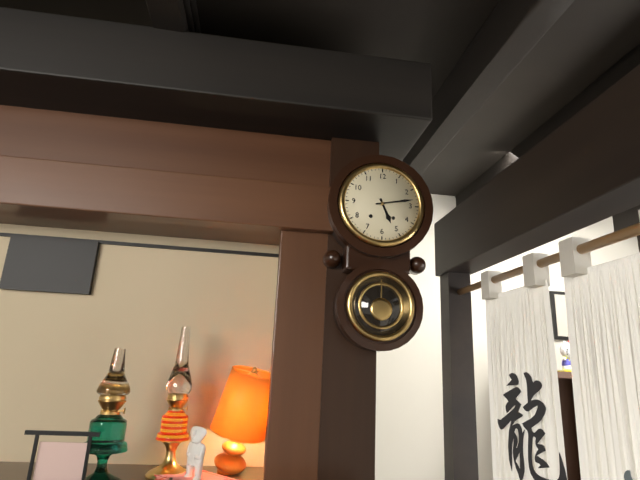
5:13
